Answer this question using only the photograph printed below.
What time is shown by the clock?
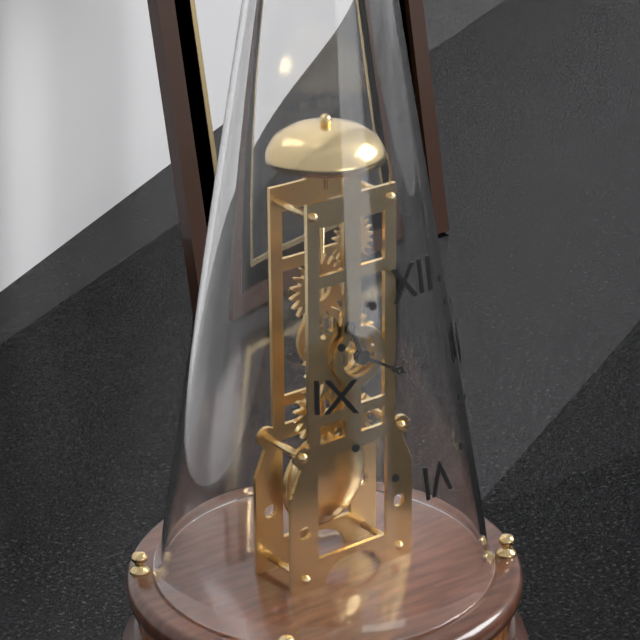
11:20
